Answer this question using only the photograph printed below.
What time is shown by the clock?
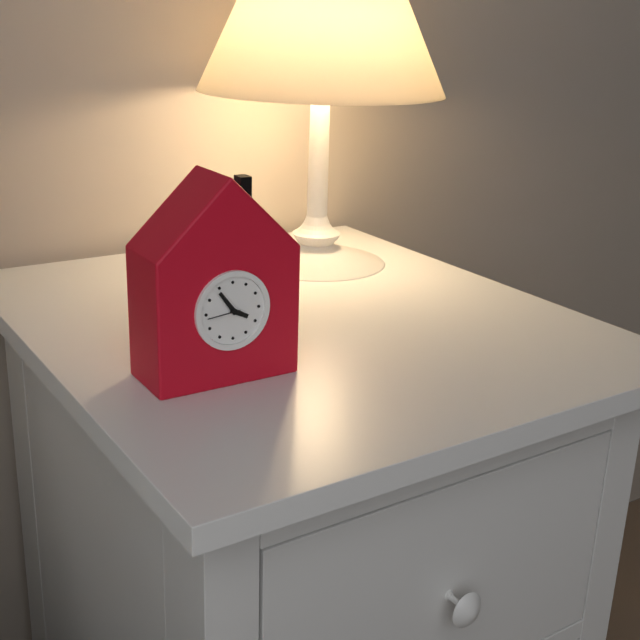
3:54
